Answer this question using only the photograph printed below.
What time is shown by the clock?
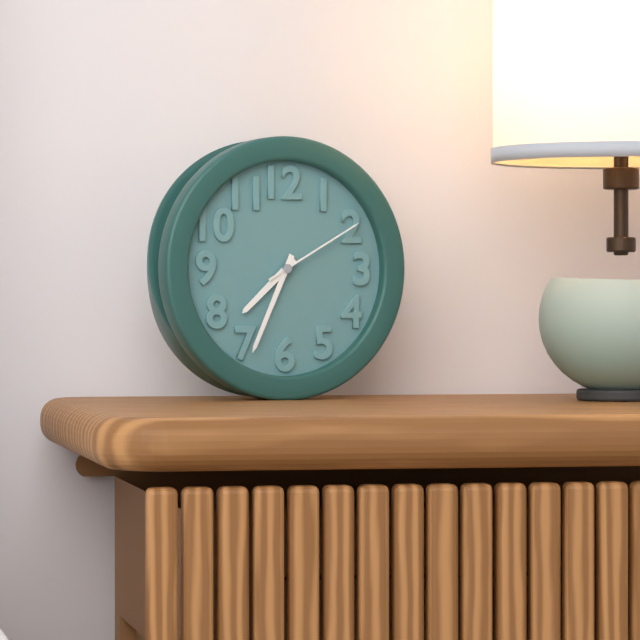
7:34:10
